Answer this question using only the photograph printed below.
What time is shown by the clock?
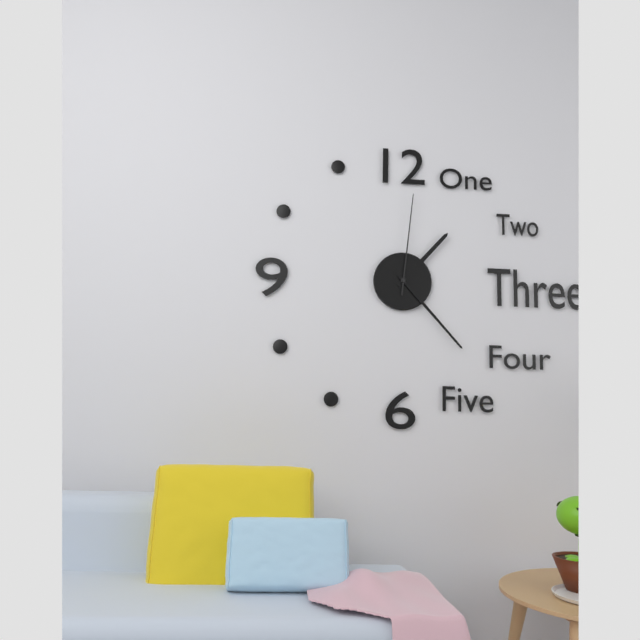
1:23:01
